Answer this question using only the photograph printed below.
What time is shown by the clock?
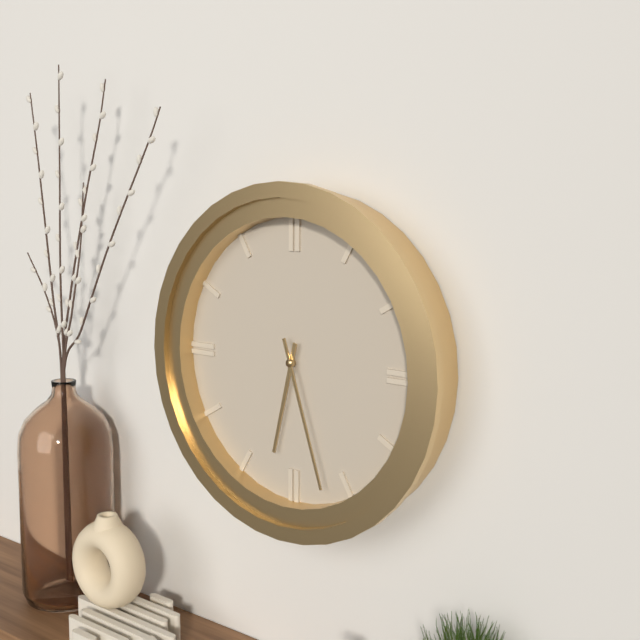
6:27
